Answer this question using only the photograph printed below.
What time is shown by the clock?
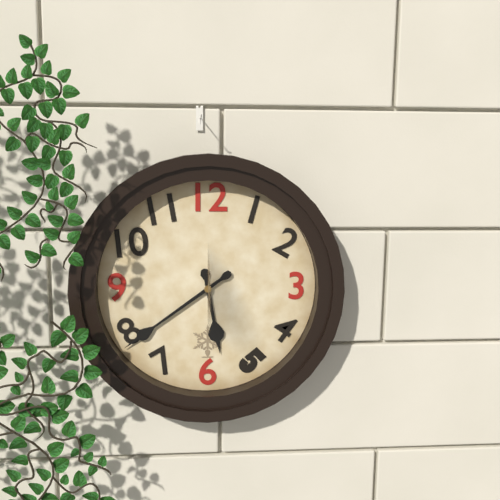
5:39
